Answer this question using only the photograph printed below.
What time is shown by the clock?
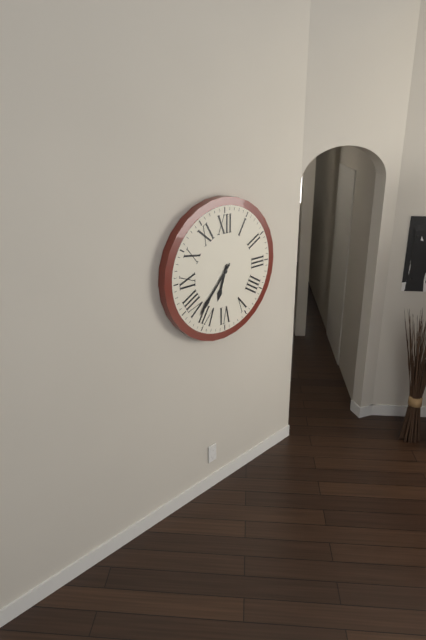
6:37
